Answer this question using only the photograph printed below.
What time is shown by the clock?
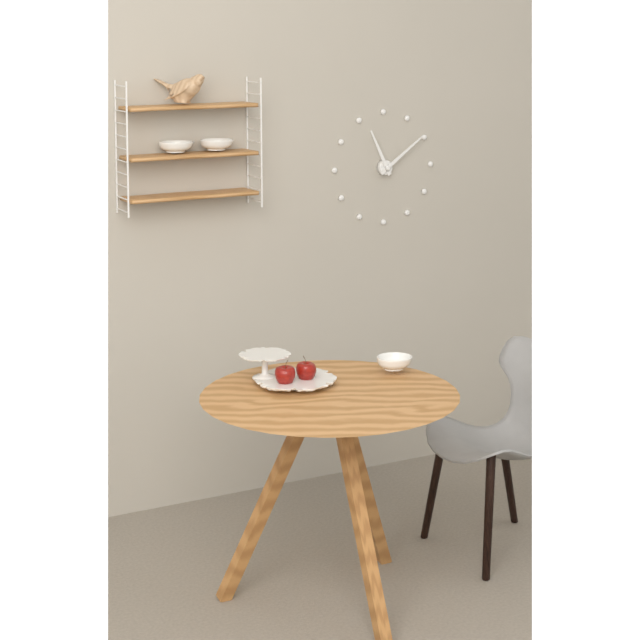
11:09
